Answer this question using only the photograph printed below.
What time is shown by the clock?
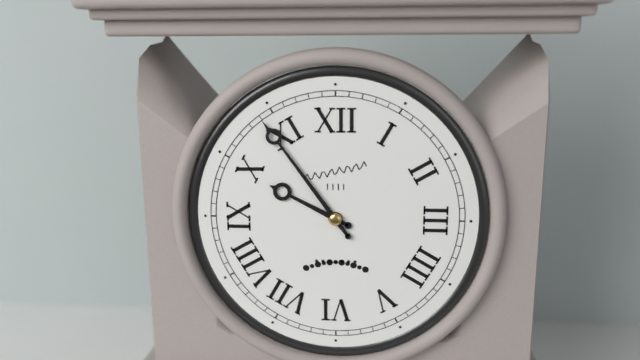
9:54
